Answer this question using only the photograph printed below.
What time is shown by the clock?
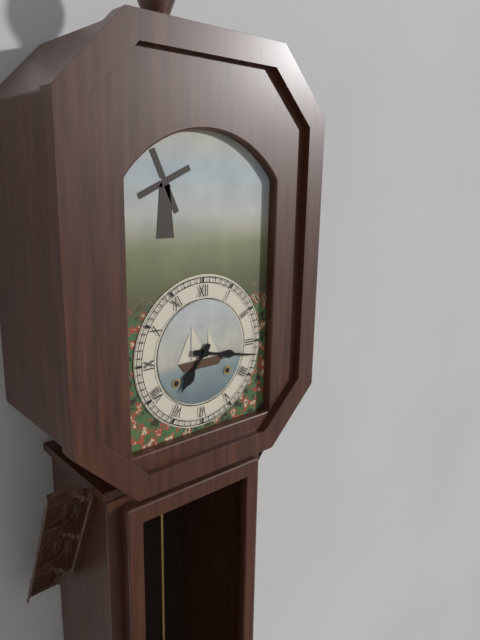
7:17
